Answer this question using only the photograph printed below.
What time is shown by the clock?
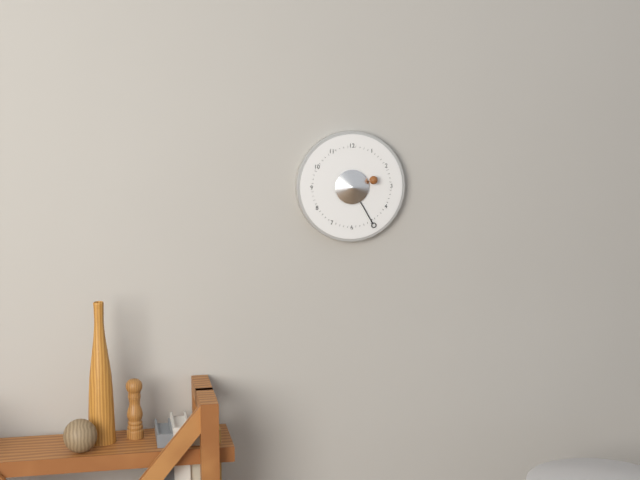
2:25
